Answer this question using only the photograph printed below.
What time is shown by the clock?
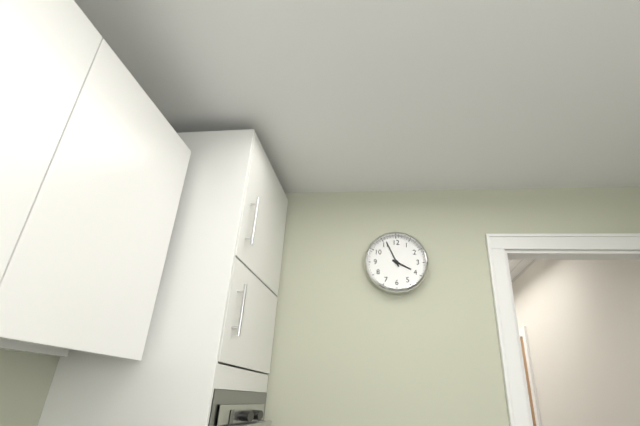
3:56
